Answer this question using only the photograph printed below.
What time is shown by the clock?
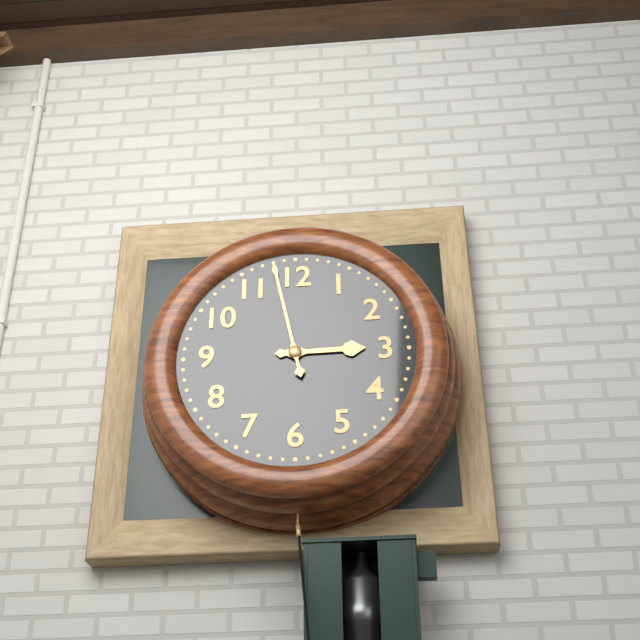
2:58
